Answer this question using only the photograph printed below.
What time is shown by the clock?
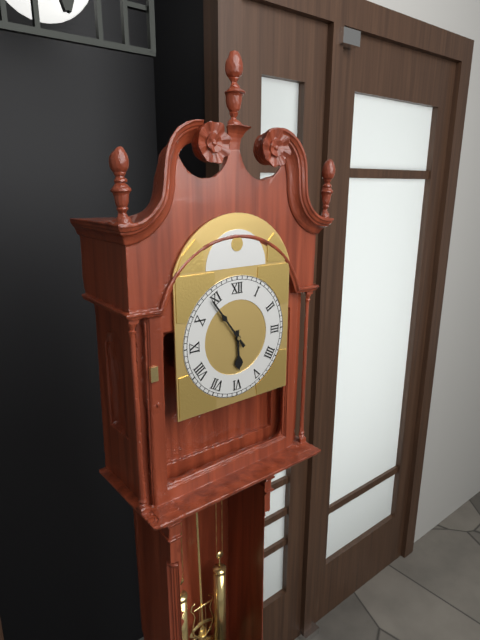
5:54
